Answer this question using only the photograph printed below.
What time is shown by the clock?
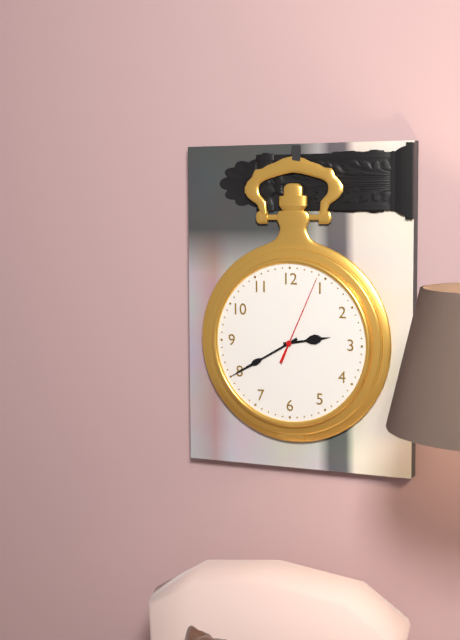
2:40:04
